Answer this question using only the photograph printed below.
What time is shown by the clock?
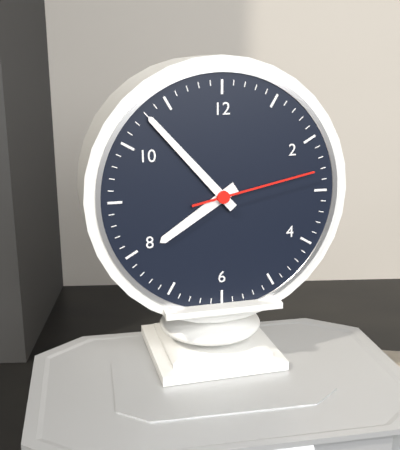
7:53:13
